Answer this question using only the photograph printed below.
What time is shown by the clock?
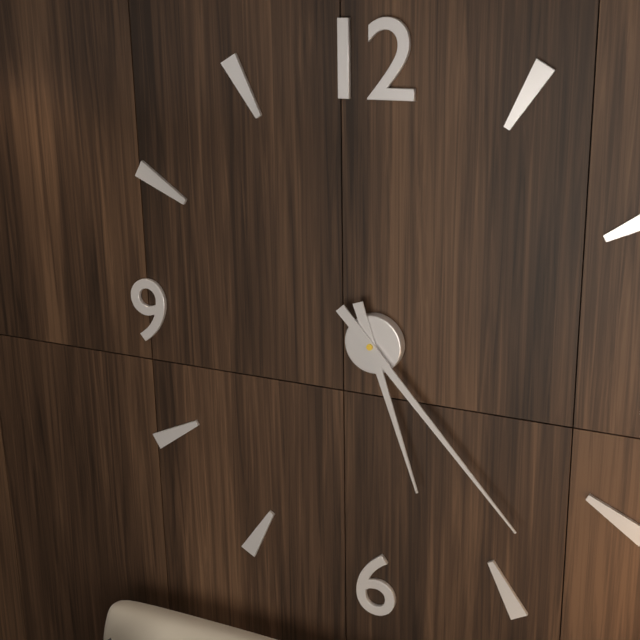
5:23
